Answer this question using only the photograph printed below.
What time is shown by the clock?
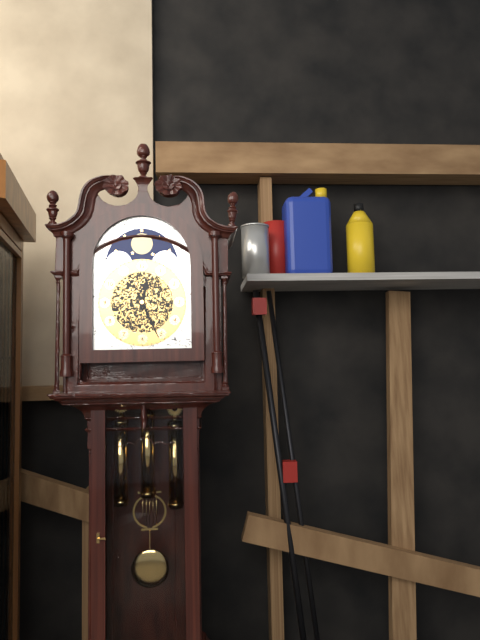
12:26
